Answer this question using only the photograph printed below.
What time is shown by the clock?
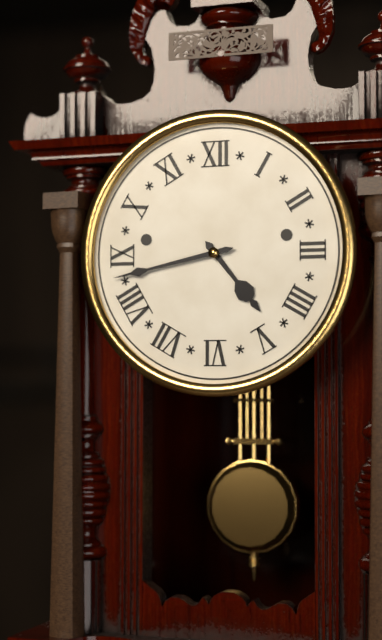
4:43
